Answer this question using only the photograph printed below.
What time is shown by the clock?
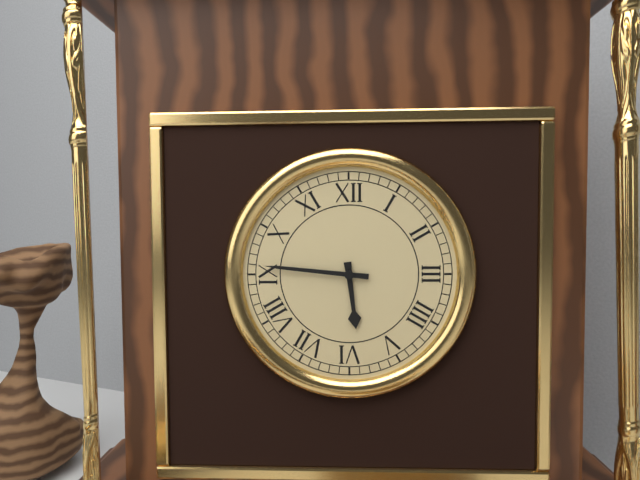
5:46
